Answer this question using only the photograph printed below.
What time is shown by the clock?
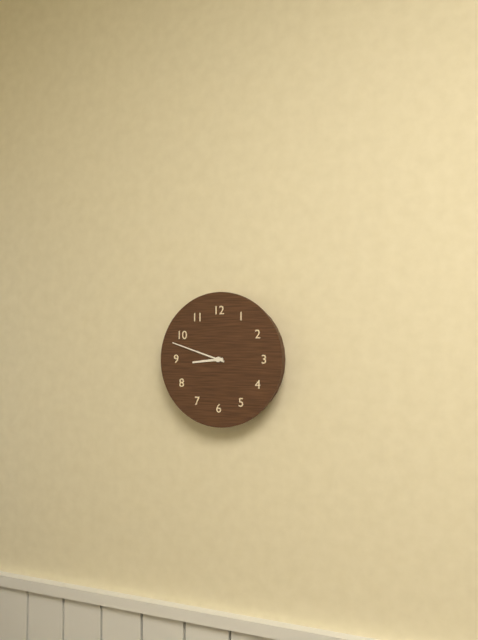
8:48
